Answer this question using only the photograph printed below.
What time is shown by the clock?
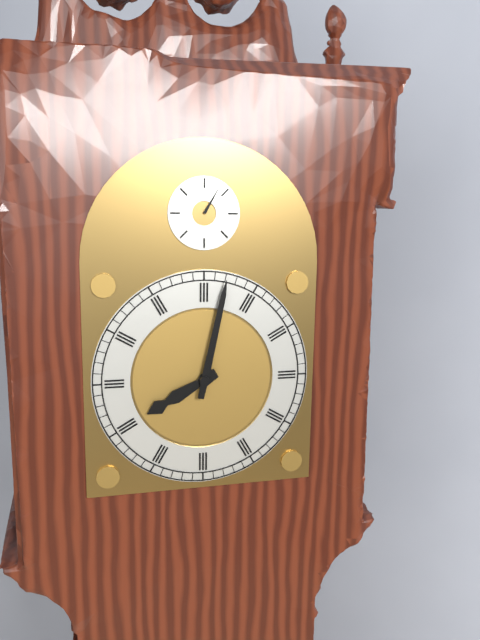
8:02
